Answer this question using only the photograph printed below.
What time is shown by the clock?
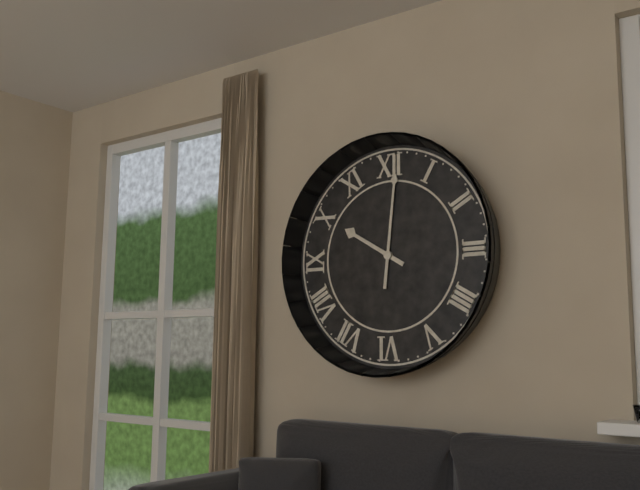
10:01
